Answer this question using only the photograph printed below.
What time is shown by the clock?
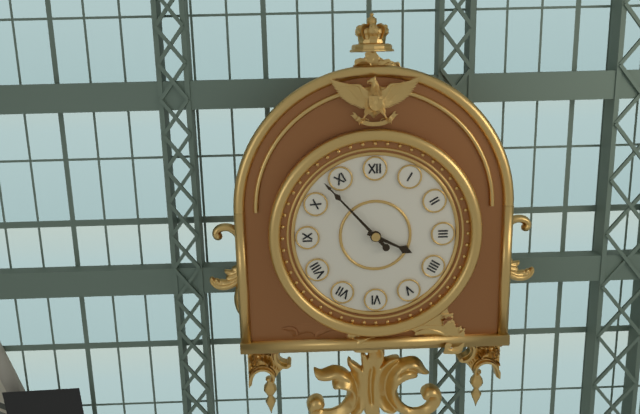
3:53
